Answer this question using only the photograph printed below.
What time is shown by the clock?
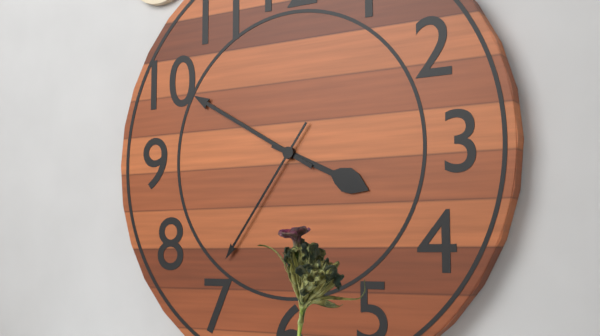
3:50:36
